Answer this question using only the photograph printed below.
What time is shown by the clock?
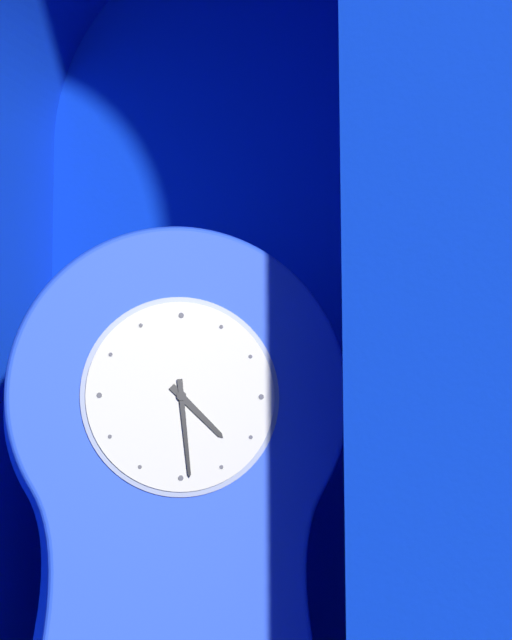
4:29
